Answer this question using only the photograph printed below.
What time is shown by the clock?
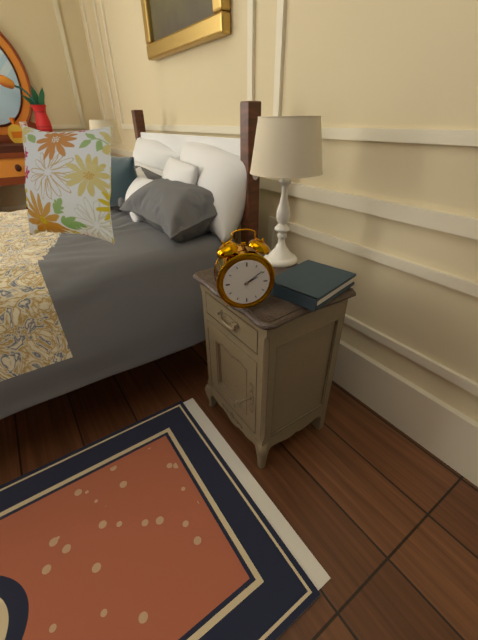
2:09
